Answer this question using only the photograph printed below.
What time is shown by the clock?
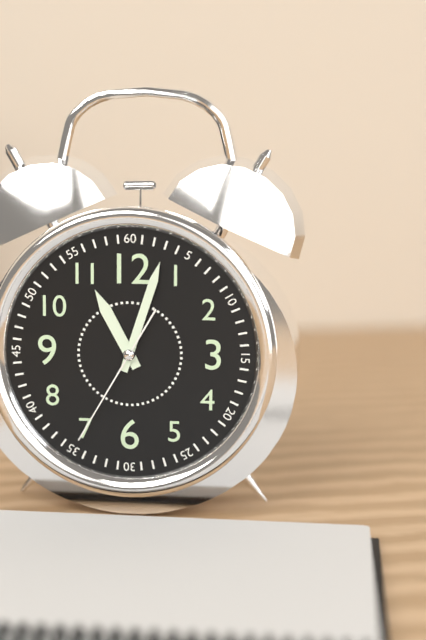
11:03:35
